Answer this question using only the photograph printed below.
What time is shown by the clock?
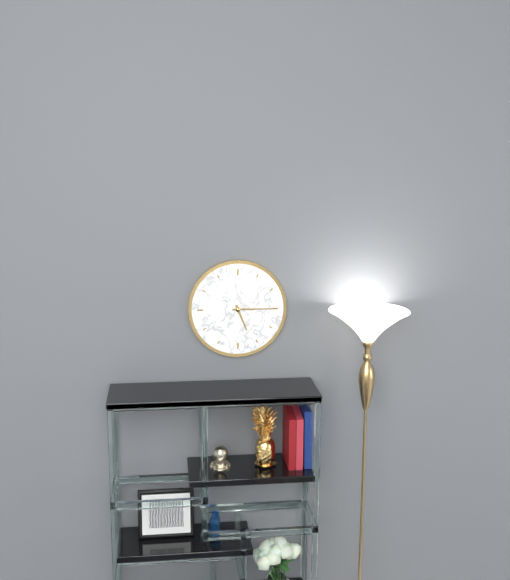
5:15
